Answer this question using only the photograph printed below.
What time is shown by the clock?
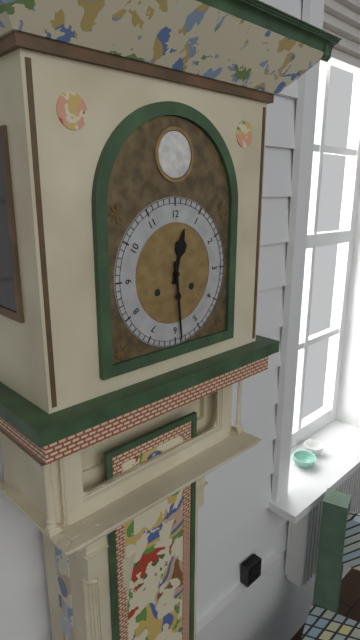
12:29
